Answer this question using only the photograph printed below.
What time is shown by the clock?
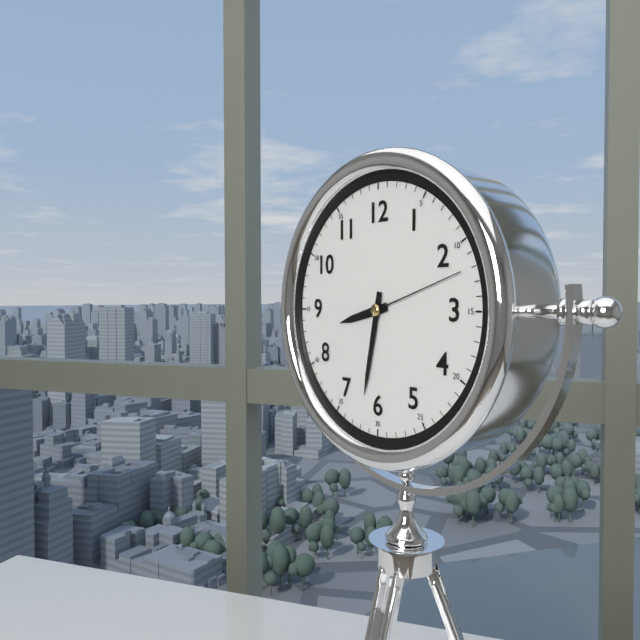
8:32:12
